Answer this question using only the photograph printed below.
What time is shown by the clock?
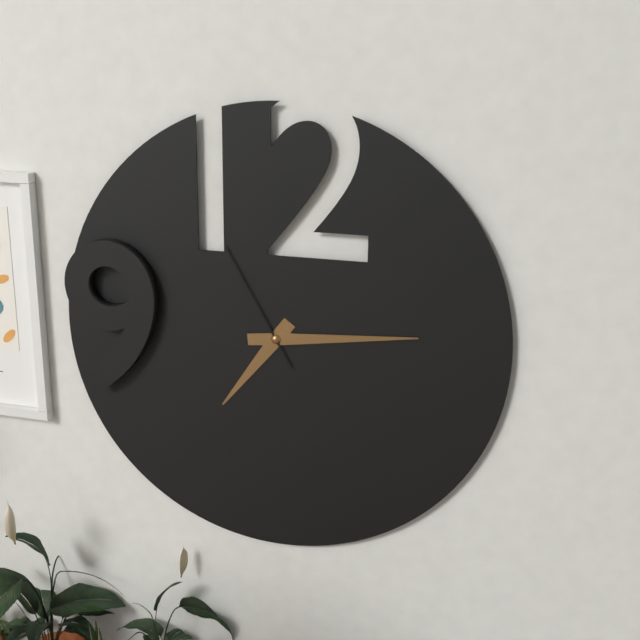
7:14:55
